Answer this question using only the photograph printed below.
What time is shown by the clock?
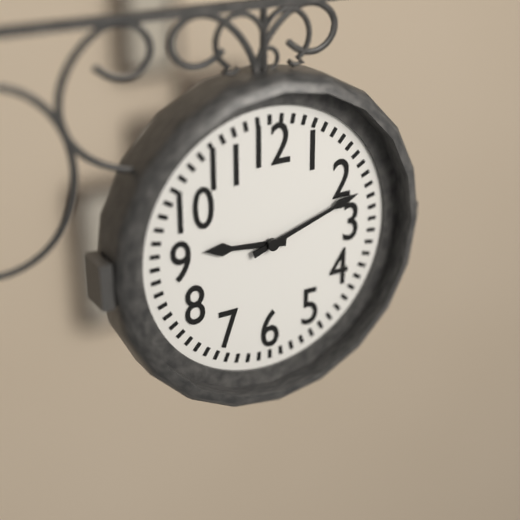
9:12
